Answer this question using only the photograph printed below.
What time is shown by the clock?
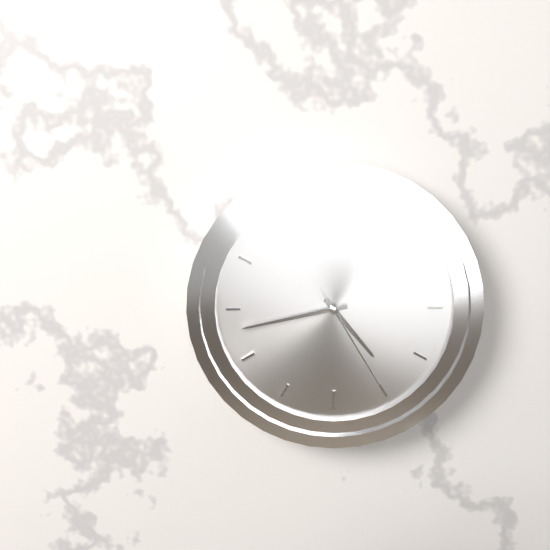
4:43:25
